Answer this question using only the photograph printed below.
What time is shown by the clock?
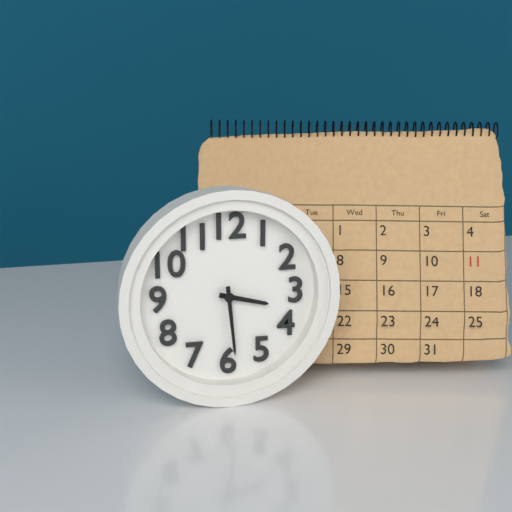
3:29
